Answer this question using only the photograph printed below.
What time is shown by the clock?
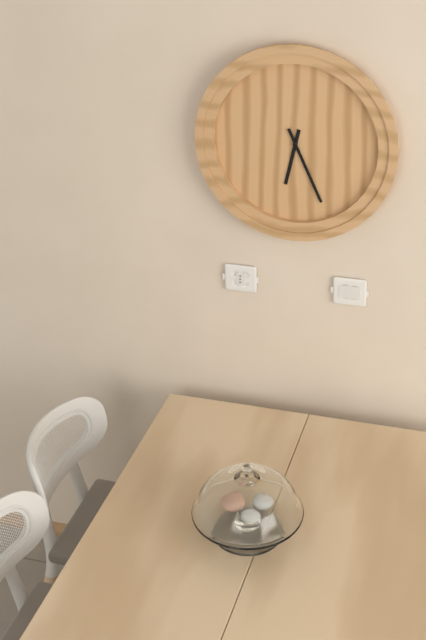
6:26
